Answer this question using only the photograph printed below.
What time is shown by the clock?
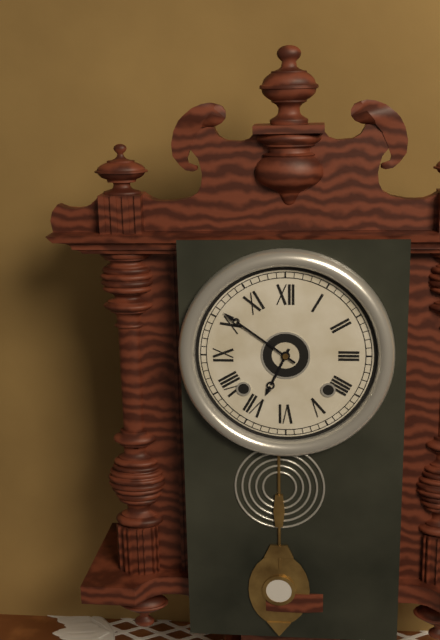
6:51
